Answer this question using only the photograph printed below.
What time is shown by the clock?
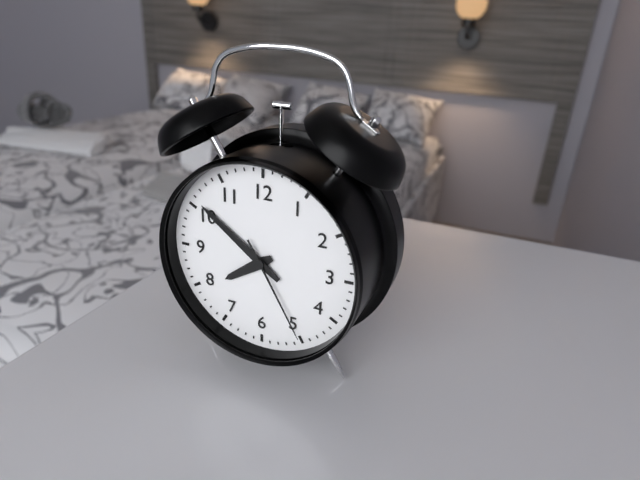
7:51:25
